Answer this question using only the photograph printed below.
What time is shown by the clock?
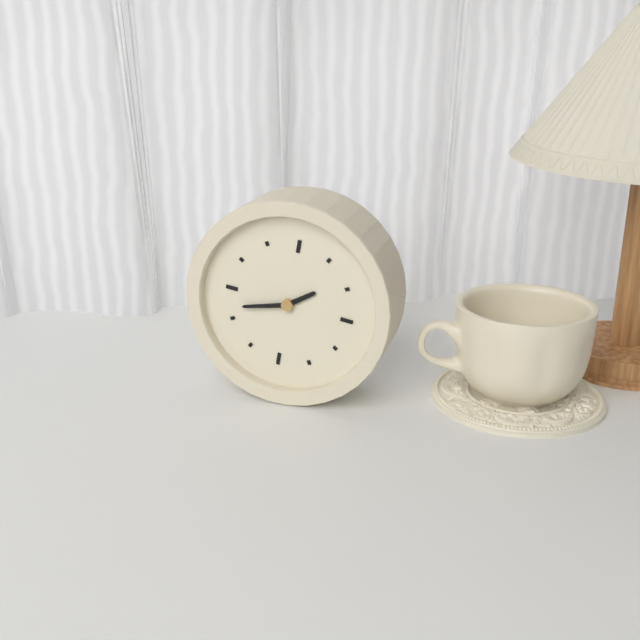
1:42
